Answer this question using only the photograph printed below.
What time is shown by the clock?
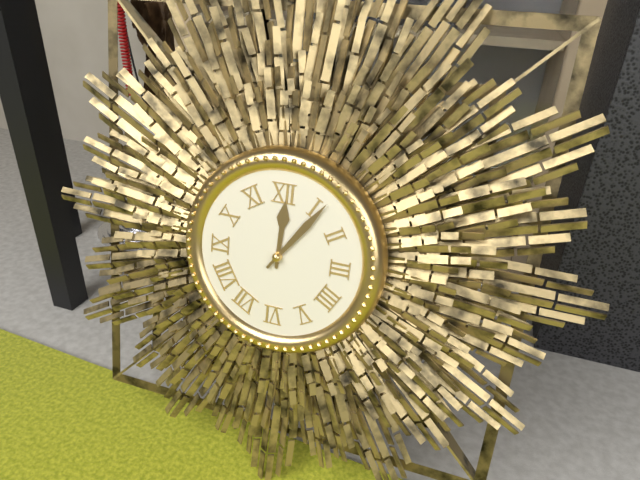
12:06
